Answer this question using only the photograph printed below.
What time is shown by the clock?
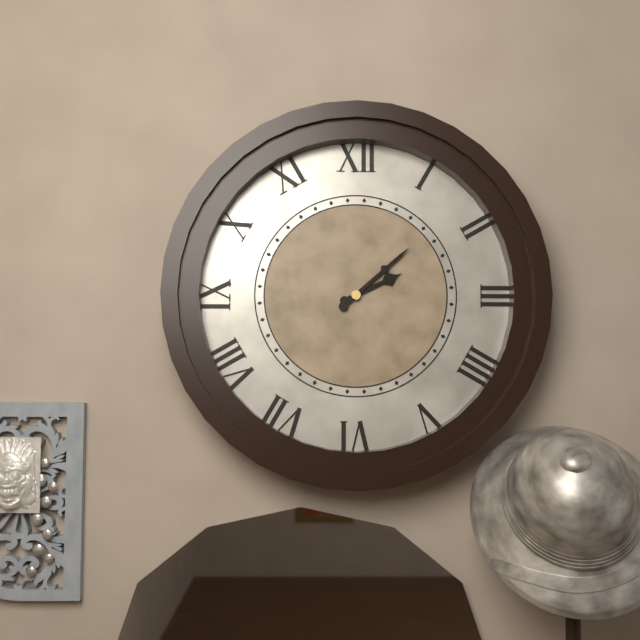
2:08
